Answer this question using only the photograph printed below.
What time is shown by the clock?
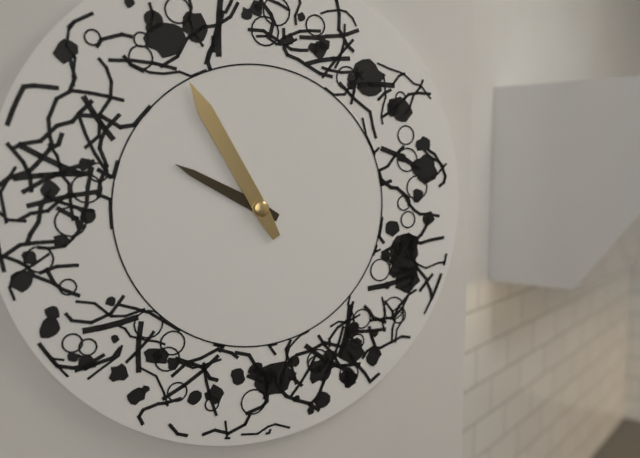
9:55
